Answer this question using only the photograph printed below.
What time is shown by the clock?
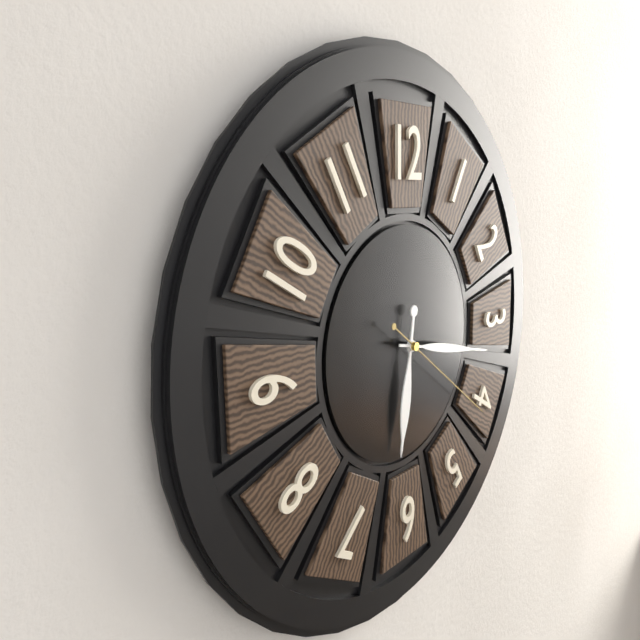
6:17:21
